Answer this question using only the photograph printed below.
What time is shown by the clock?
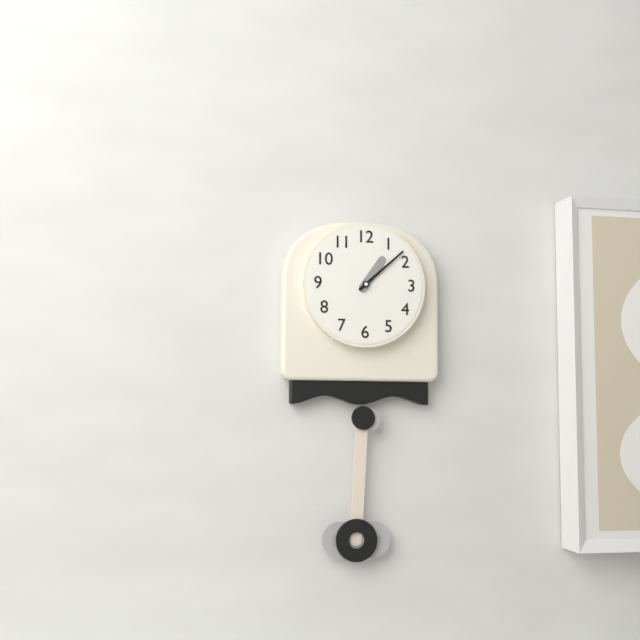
1:08
